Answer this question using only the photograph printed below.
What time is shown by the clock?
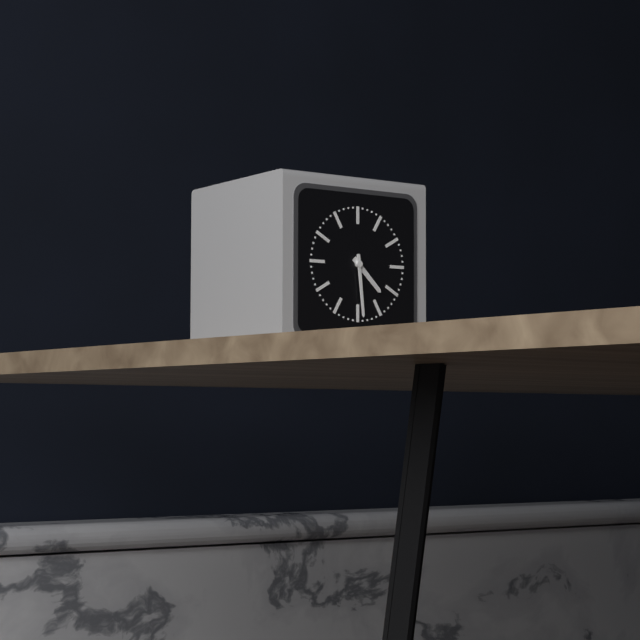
4:29
